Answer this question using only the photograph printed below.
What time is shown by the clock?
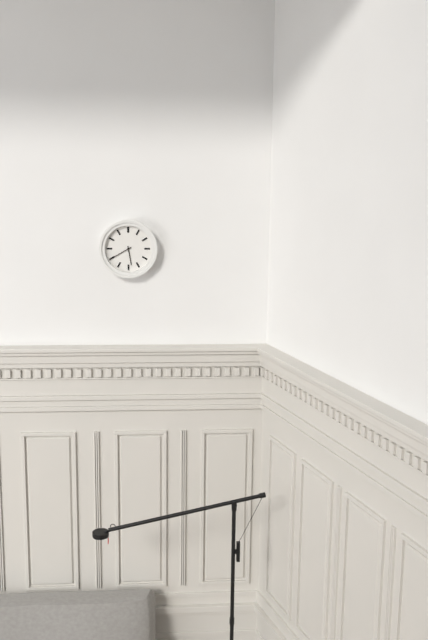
5:40
